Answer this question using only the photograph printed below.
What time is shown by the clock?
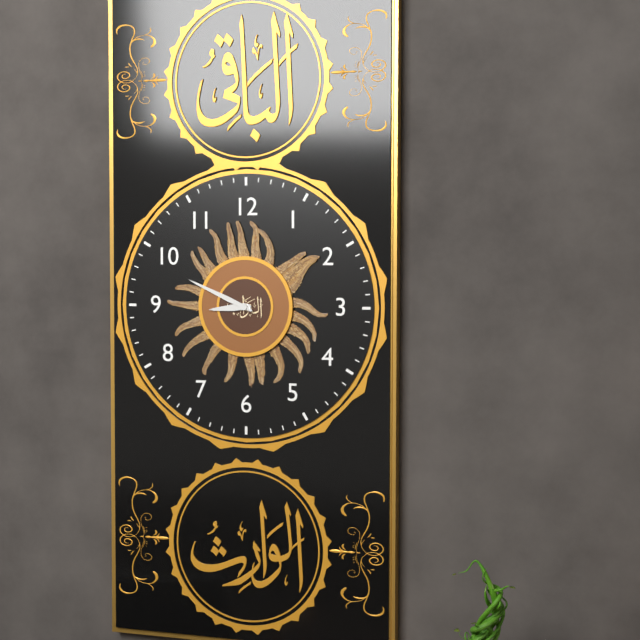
8:49
